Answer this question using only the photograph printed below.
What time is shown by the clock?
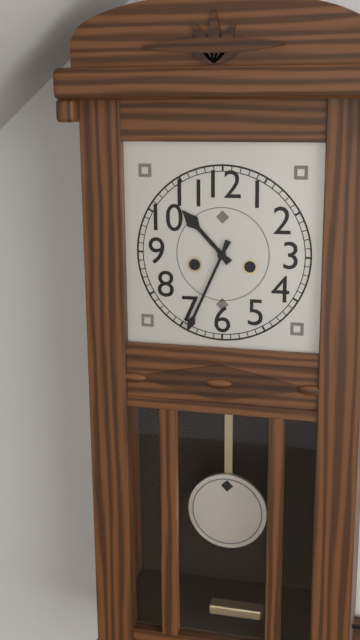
10:34
